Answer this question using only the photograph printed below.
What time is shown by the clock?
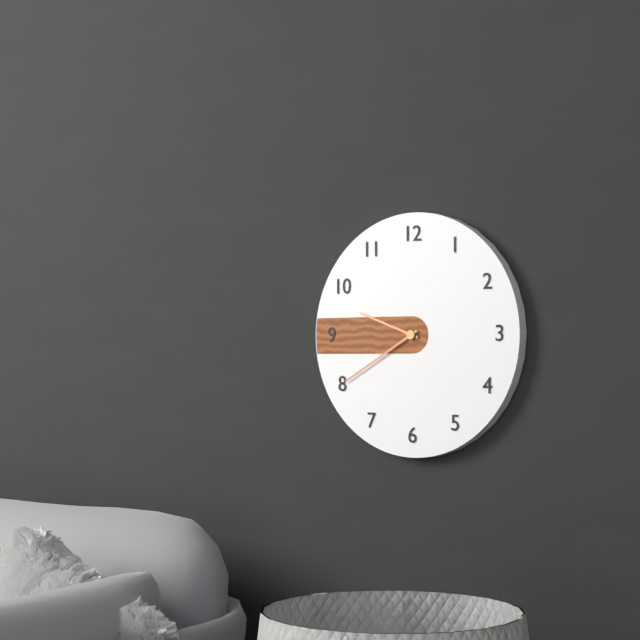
9:40
